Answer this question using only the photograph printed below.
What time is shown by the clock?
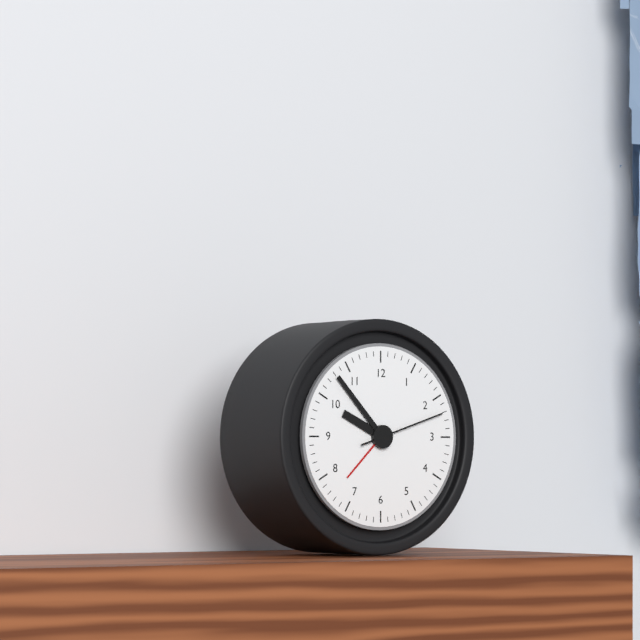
9:53:12
